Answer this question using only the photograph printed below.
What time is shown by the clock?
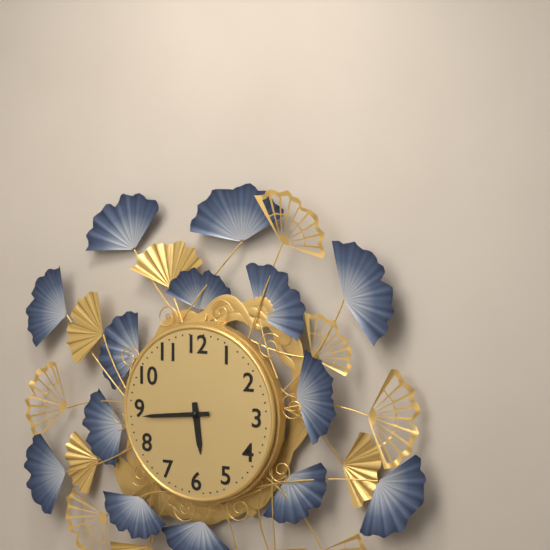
5:44
